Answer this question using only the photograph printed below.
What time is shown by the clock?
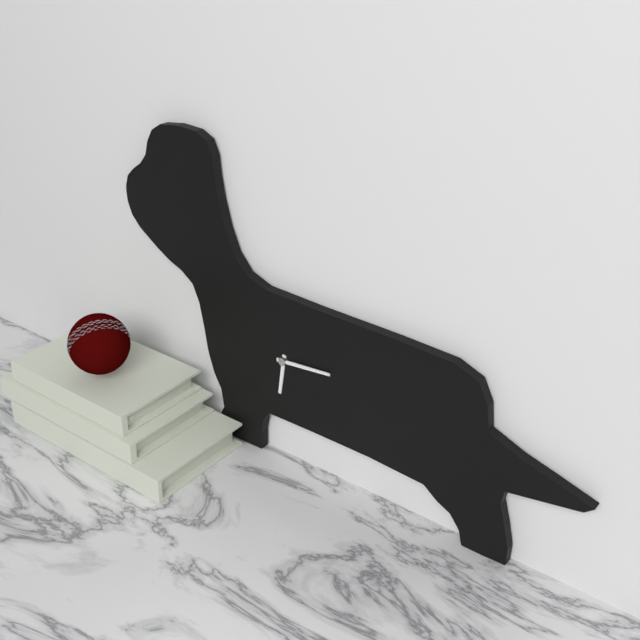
6:14
